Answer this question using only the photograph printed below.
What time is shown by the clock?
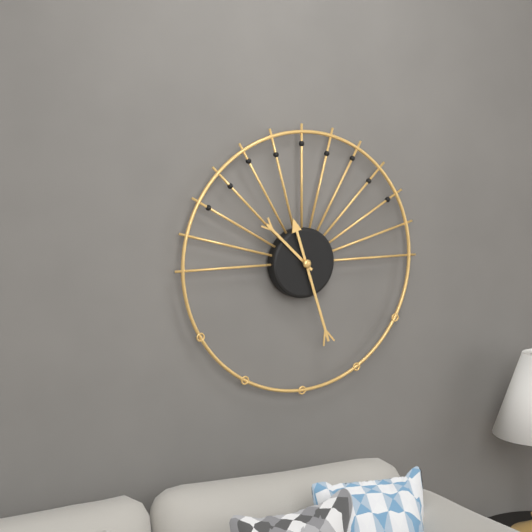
10:27
